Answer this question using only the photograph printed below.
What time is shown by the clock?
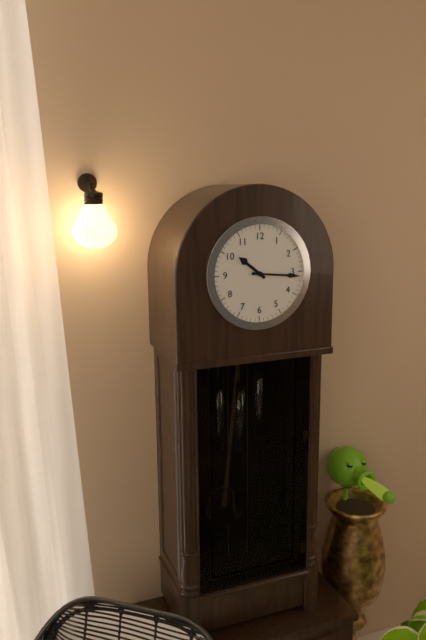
10:16
